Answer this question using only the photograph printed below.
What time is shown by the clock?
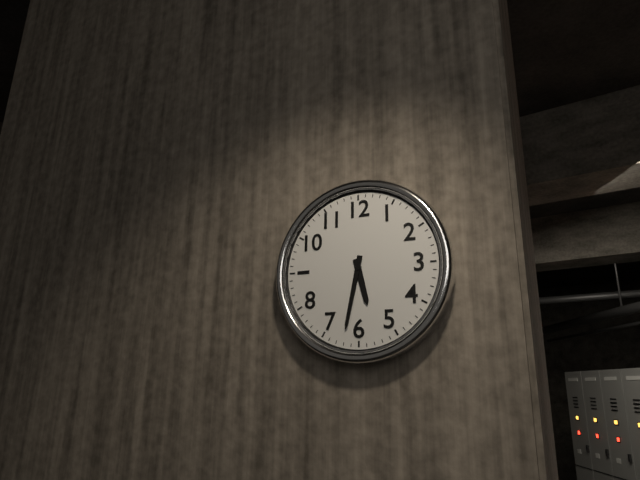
5:32
